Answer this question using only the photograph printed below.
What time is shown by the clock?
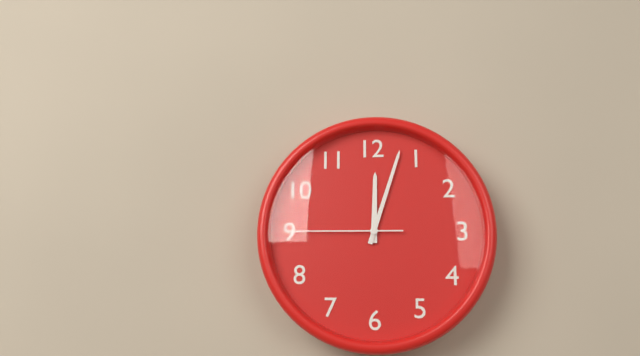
12:03:45
